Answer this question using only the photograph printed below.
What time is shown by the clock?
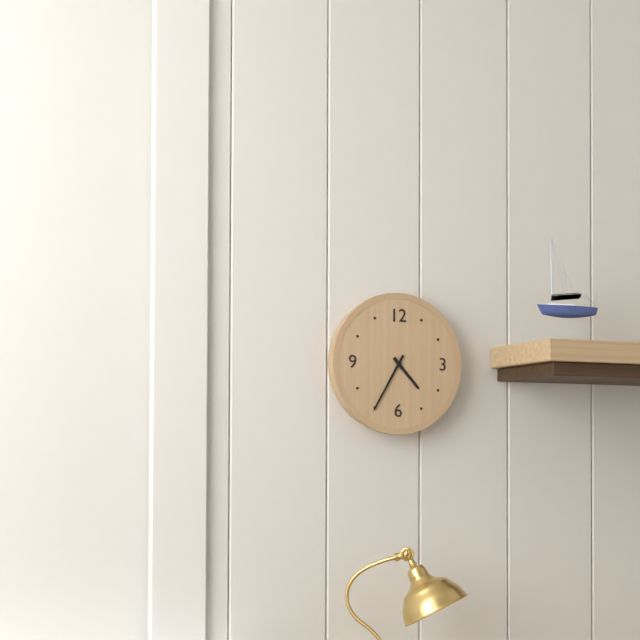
4:35
